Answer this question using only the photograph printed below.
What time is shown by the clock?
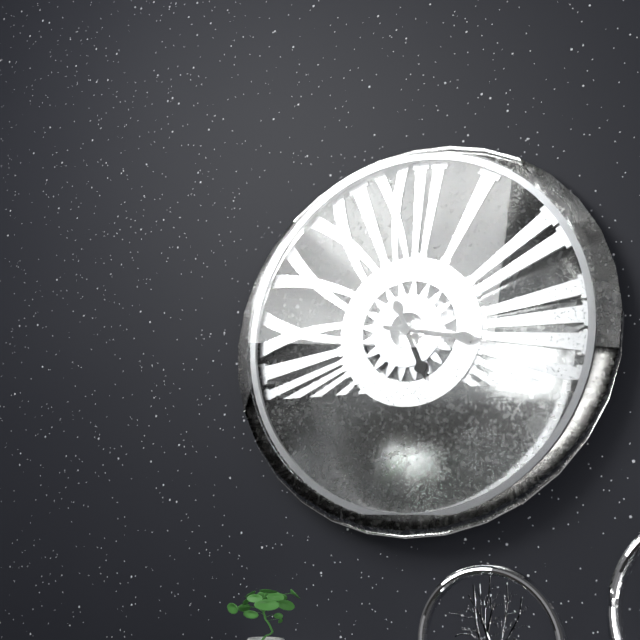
5:17
